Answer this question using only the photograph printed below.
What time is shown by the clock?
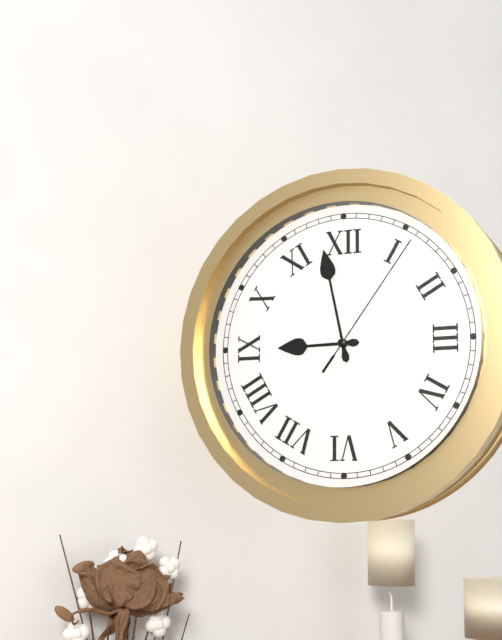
8:58:06
